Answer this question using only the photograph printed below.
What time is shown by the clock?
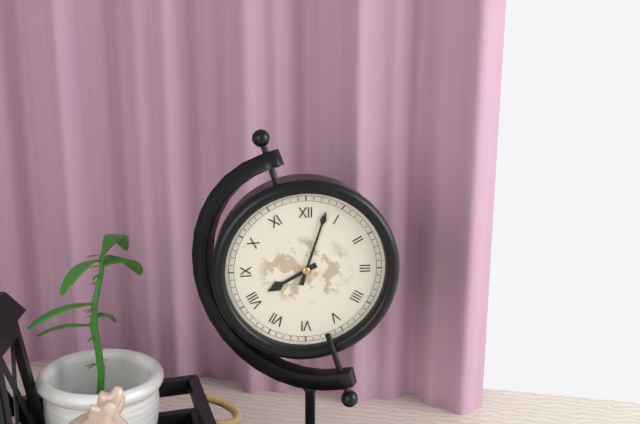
8:03
